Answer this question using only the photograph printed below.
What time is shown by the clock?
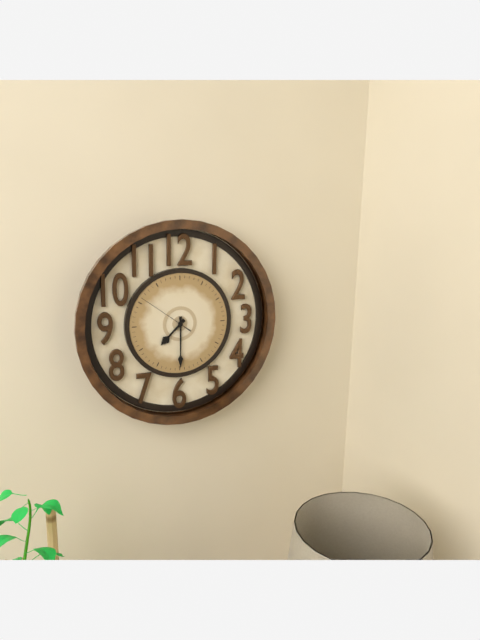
7:30:51
